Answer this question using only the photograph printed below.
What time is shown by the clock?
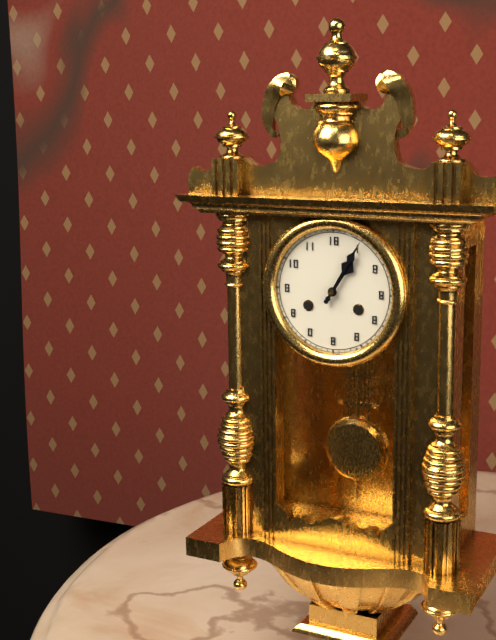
1:05
